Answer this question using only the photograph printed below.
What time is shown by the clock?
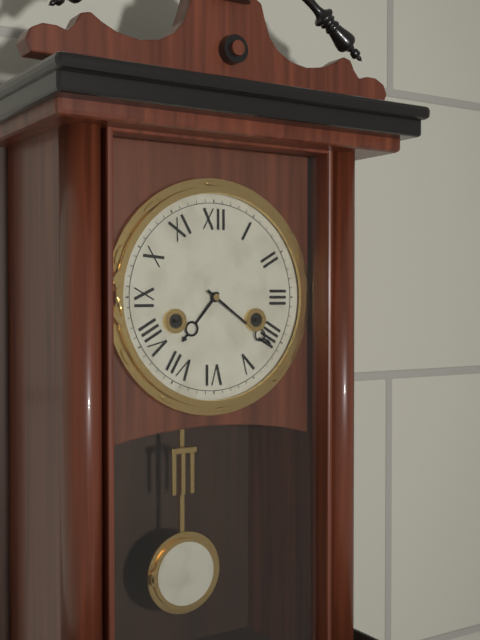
7:21
